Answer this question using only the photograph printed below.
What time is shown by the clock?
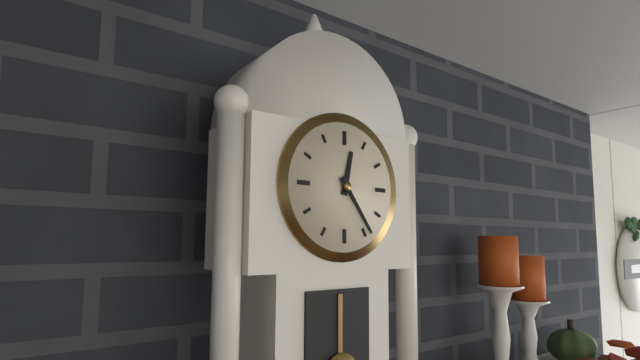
12:24
